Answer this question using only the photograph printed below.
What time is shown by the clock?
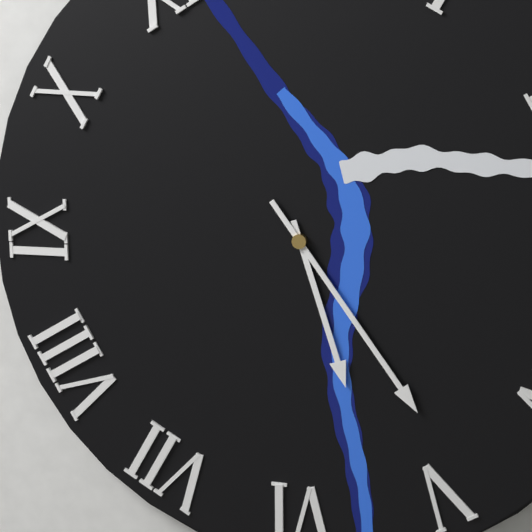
5:24
